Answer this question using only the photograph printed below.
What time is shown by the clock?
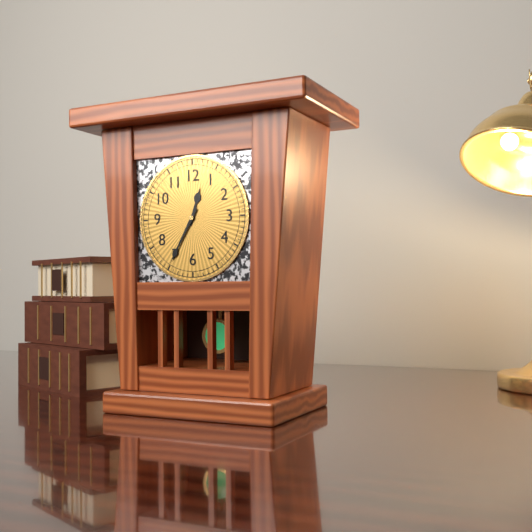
12:35
